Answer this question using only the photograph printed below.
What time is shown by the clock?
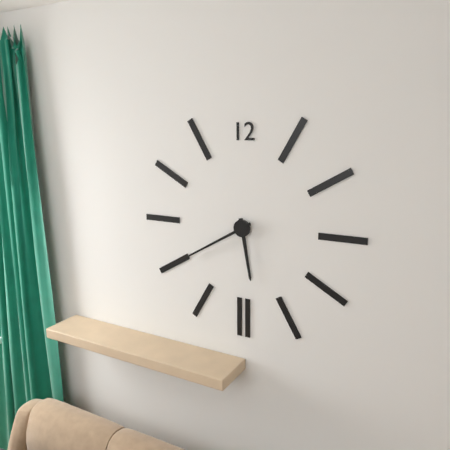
5:40
